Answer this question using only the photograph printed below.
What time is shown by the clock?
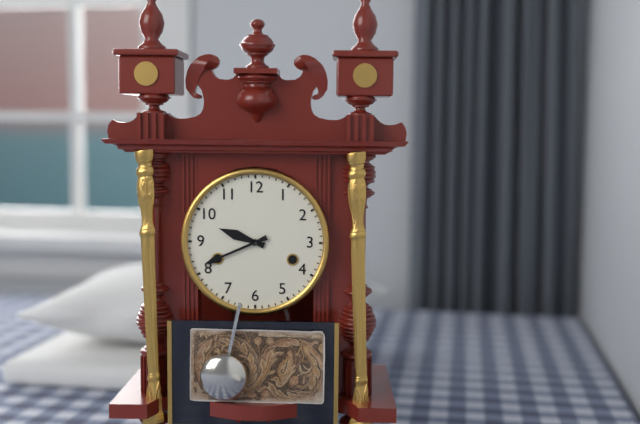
9:41
